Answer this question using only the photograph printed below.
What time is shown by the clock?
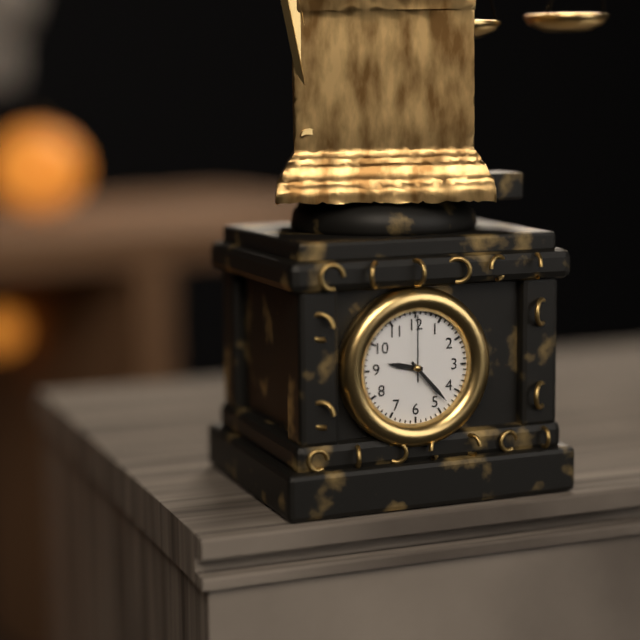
9:23:00
